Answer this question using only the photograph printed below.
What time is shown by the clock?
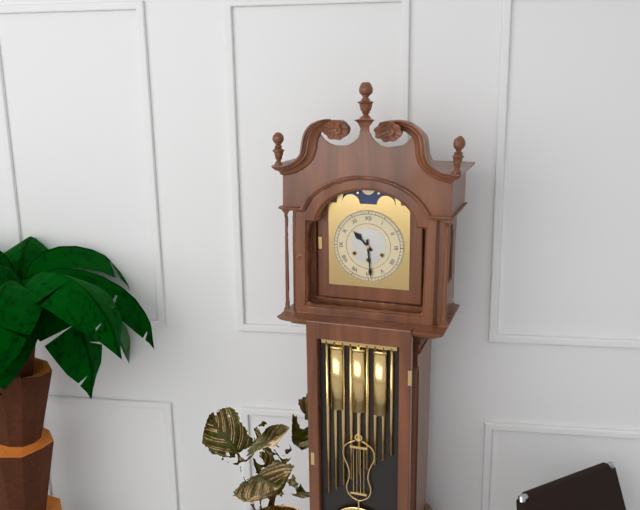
10:29
